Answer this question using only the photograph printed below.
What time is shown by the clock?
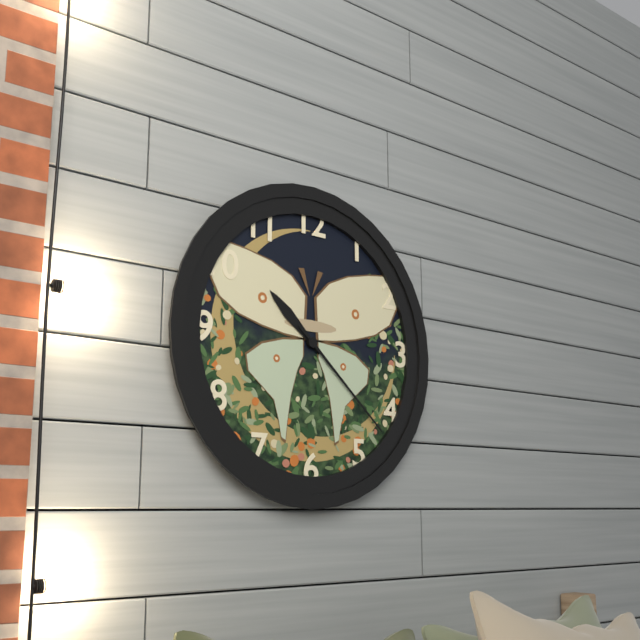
10:22
